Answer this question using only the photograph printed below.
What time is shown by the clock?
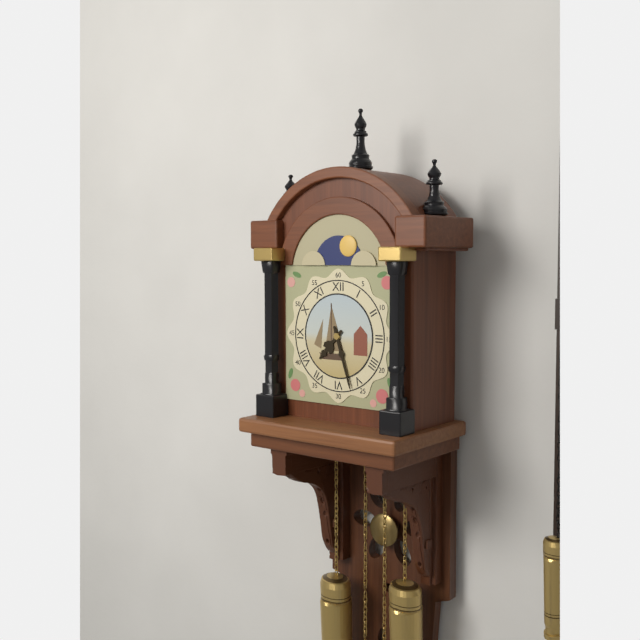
7:27
